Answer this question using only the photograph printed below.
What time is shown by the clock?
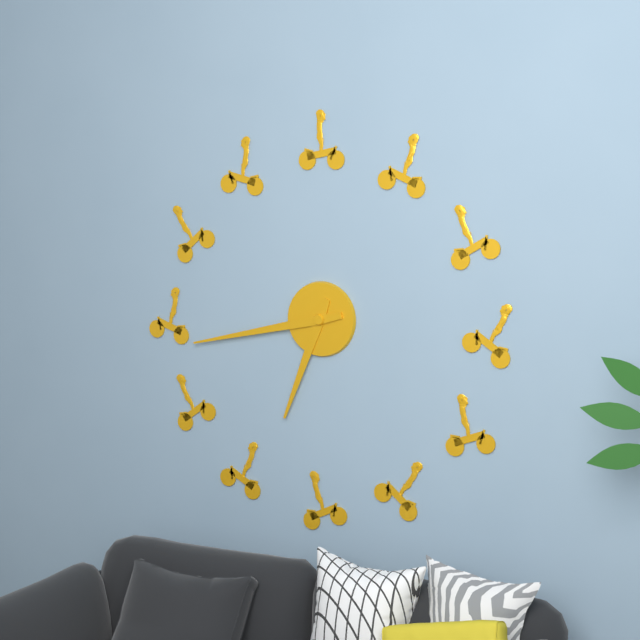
6:43
